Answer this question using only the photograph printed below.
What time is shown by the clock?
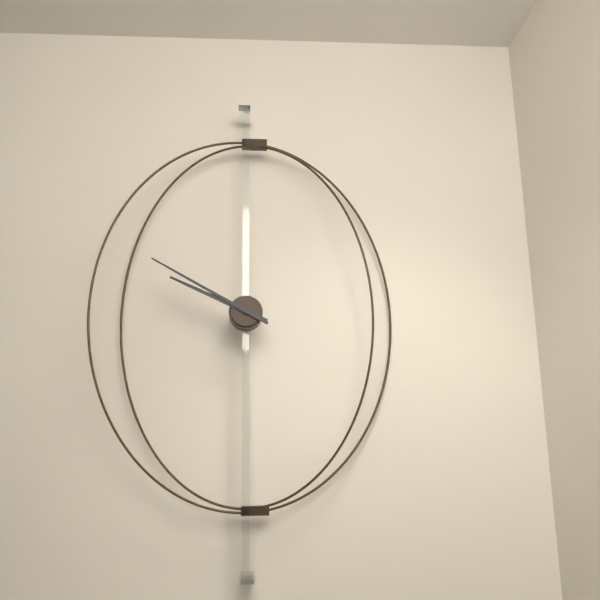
9:50
